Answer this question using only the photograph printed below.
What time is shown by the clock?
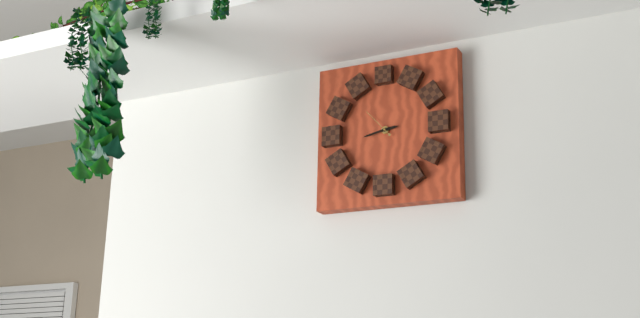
2:43
